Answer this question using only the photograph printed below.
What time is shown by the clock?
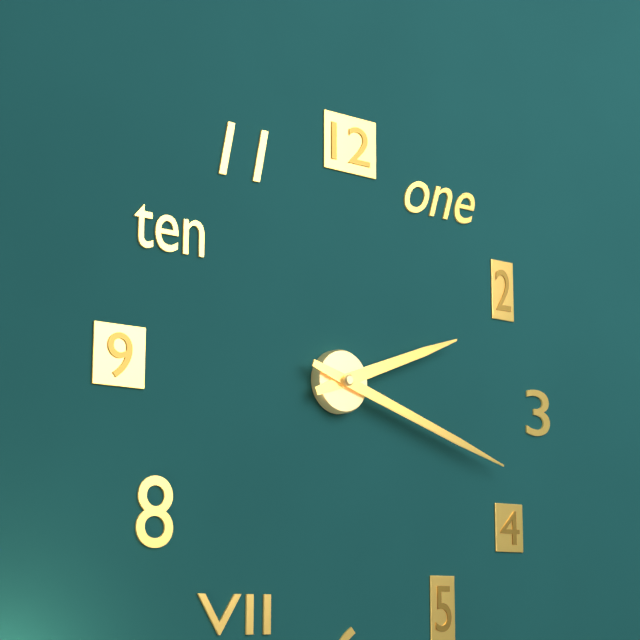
2:18
